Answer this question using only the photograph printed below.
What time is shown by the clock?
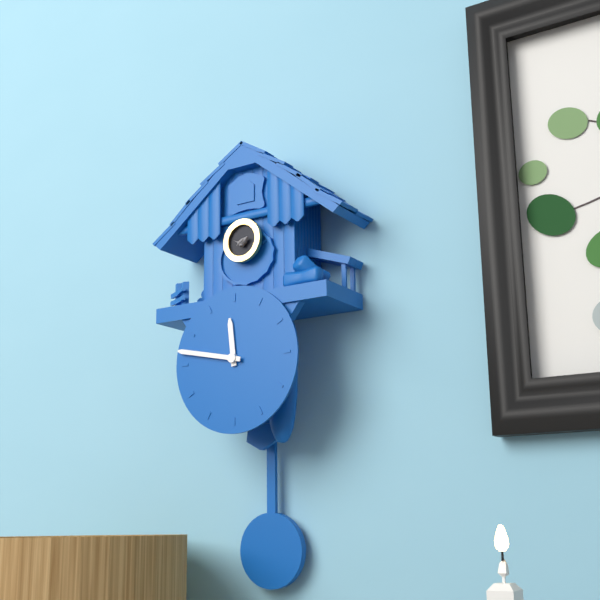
11:47
